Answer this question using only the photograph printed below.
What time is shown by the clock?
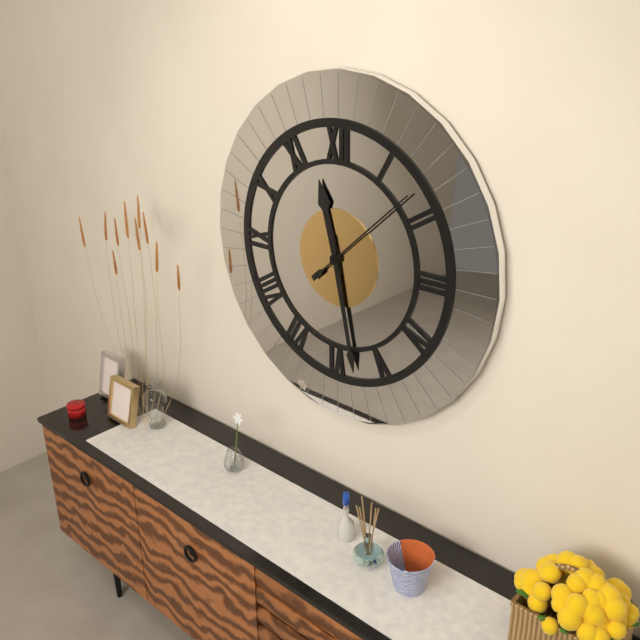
11:28:08
